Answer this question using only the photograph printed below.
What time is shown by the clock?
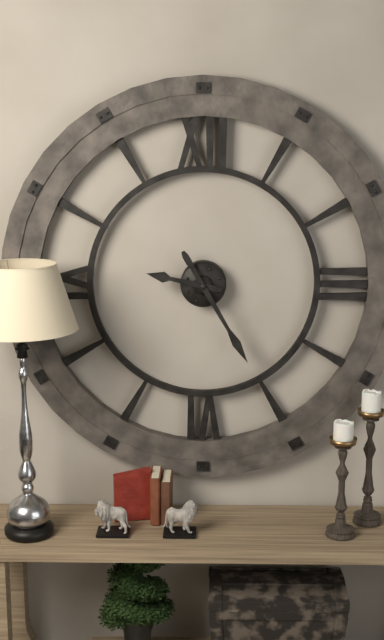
9:25
